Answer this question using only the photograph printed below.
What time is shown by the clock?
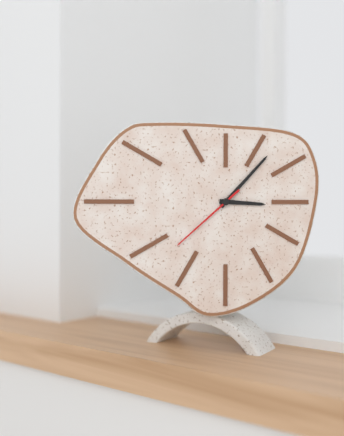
3:07:38
